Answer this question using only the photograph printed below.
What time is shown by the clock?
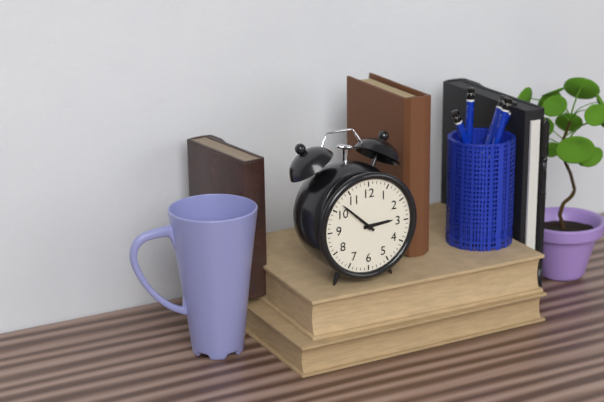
2:52
